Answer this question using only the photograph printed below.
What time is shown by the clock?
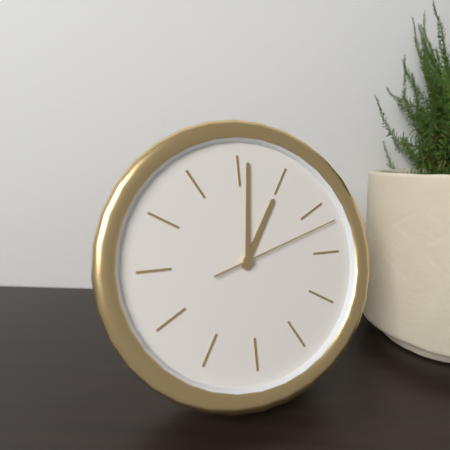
1:01:12
